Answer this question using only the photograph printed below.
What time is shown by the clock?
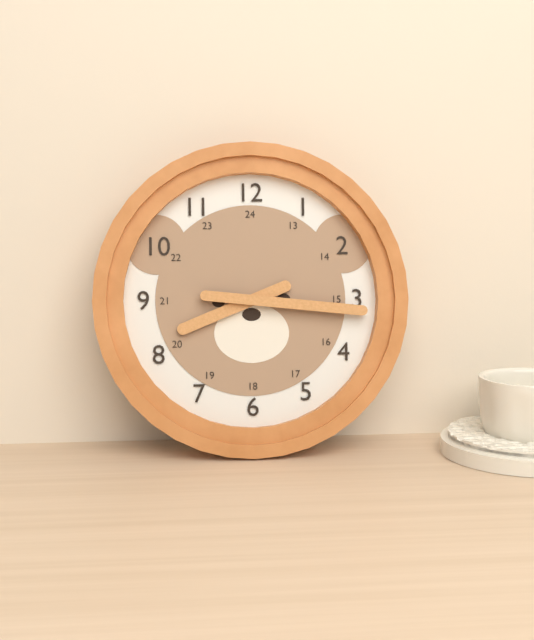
8:16
